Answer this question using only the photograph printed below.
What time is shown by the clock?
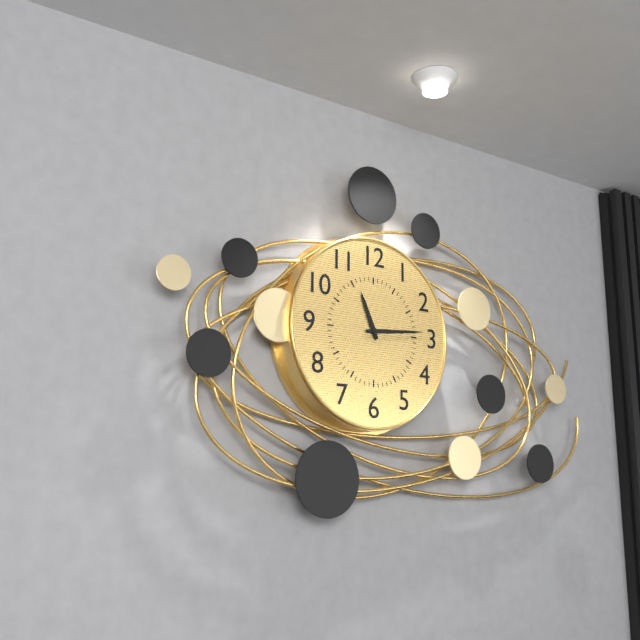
11:14
